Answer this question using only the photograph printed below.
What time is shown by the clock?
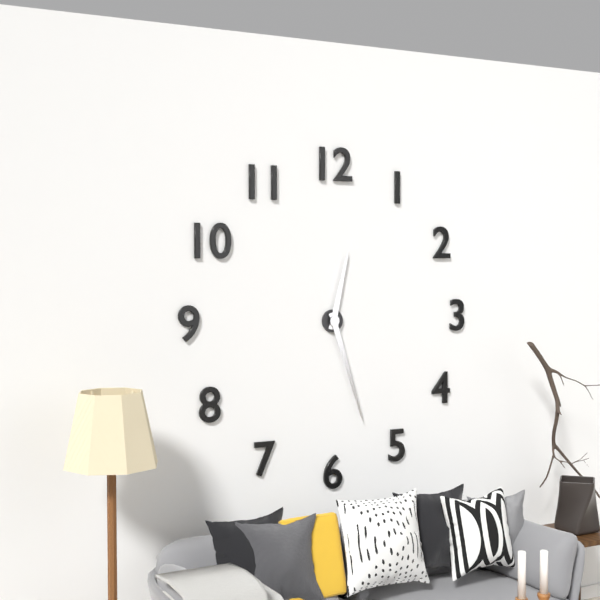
12:27
